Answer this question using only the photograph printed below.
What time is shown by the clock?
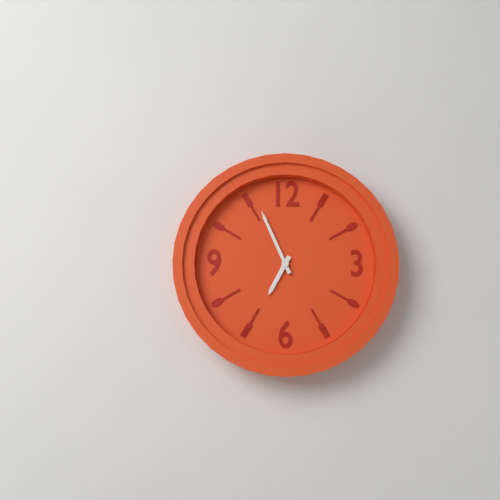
6:56
